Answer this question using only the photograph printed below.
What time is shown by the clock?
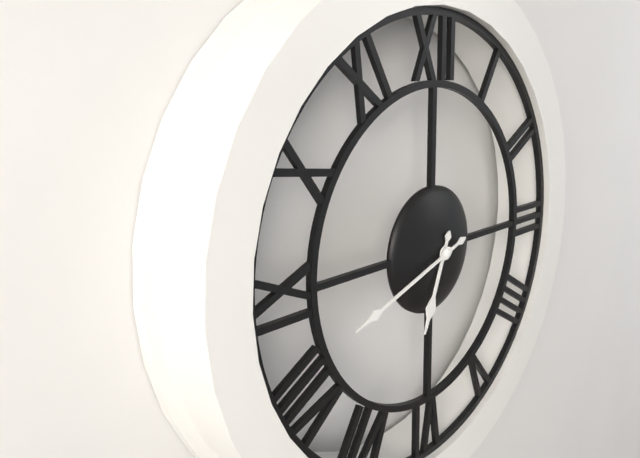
6:42
